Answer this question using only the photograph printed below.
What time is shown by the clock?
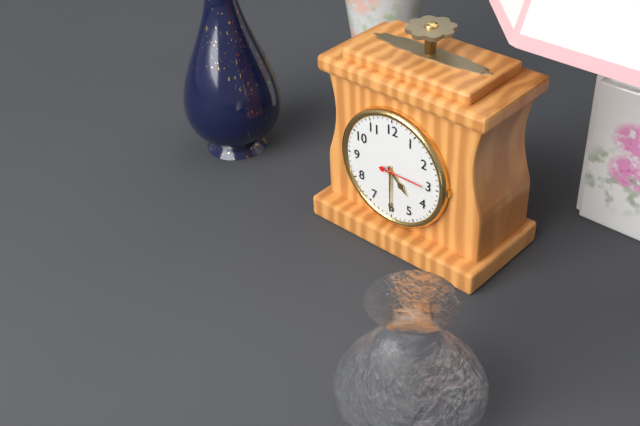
4:30
